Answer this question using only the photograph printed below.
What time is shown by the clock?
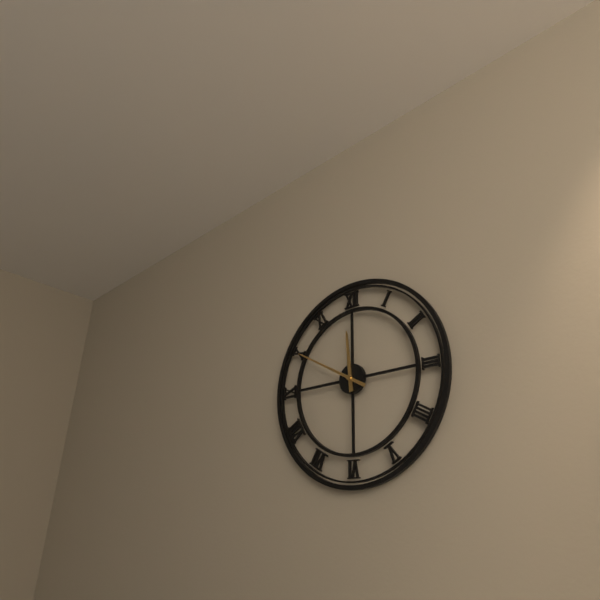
11:50
